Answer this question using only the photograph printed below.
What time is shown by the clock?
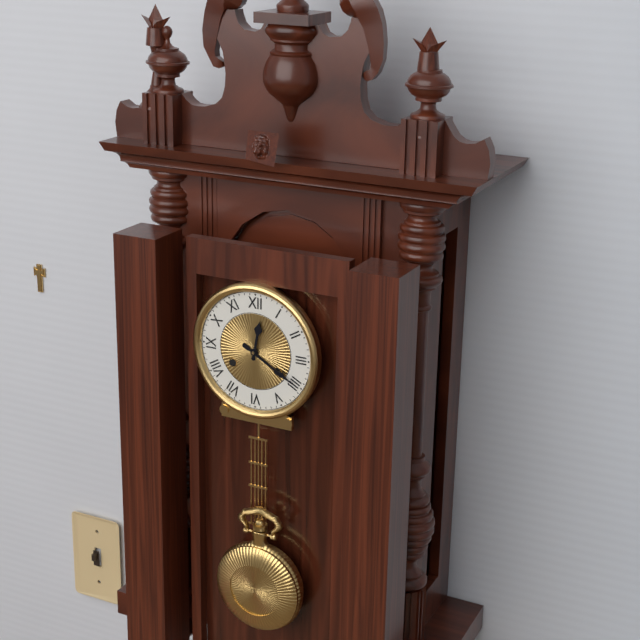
12:20
